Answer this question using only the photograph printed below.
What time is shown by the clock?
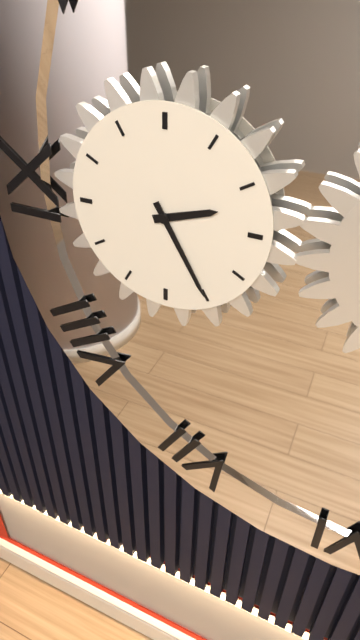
2:25
